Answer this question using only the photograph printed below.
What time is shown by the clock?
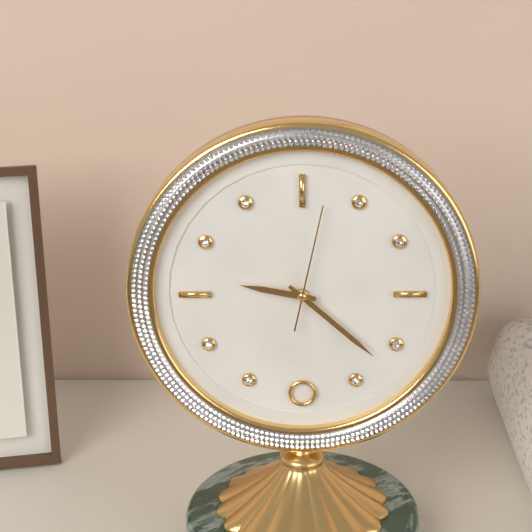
9:22:02
